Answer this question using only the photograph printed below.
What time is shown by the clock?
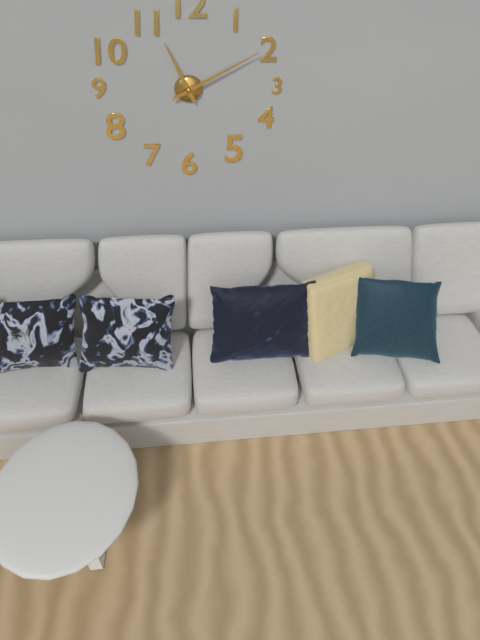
11:10
